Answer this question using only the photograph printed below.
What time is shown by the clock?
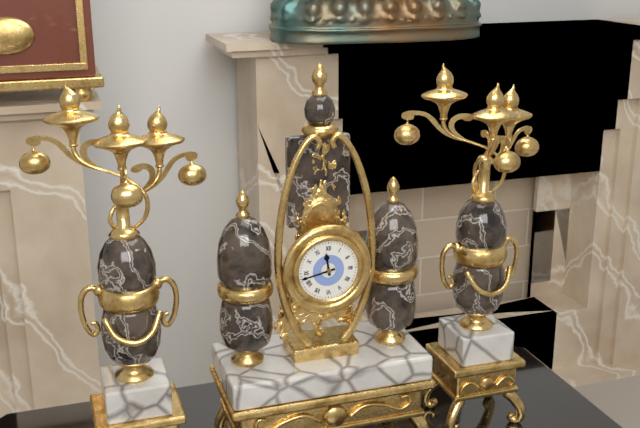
11:43
